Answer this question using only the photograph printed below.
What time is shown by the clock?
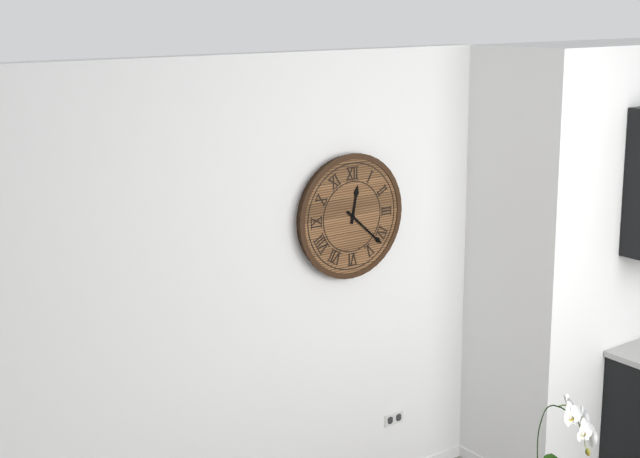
12:22
